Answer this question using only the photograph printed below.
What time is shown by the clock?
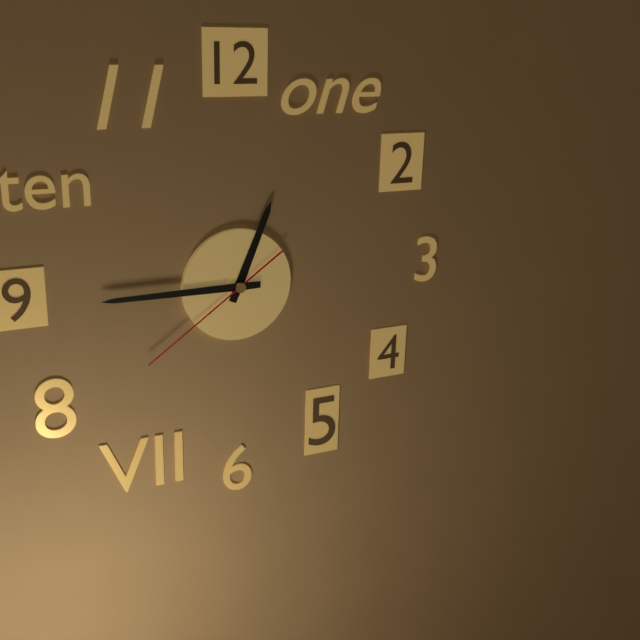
12:45:39
